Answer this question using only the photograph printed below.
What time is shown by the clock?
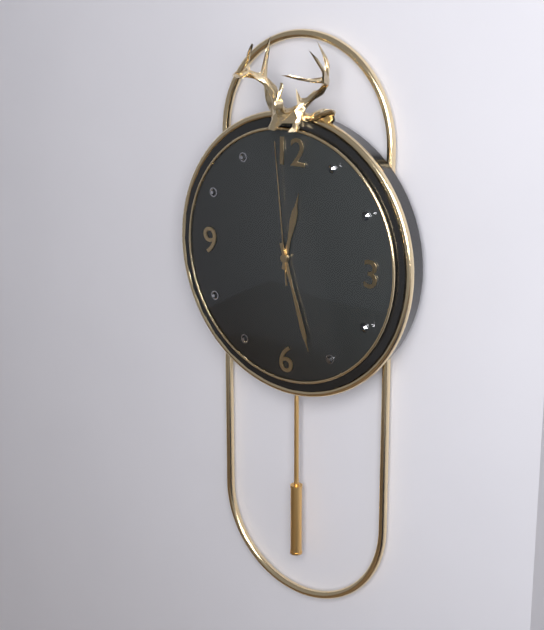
12:27:59
